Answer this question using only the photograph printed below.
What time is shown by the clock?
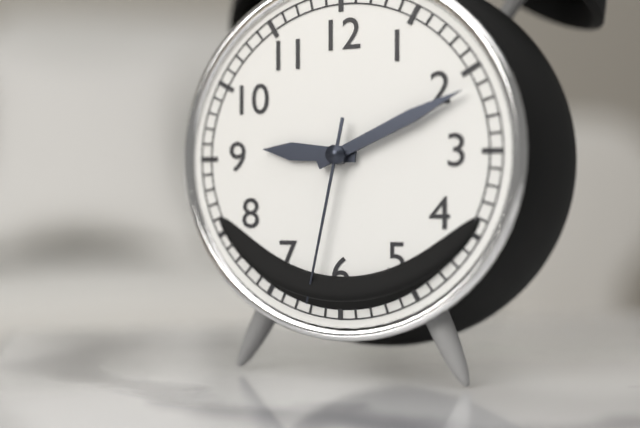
9:11:32
